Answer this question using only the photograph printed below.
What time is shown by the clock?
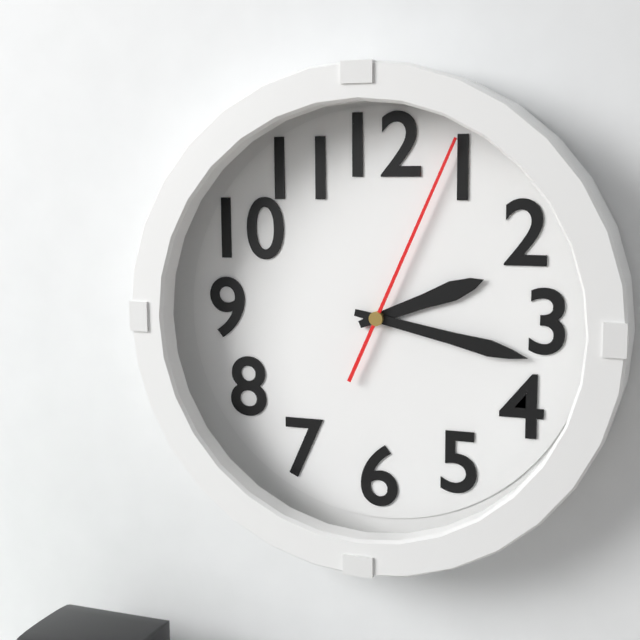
2:17:04
